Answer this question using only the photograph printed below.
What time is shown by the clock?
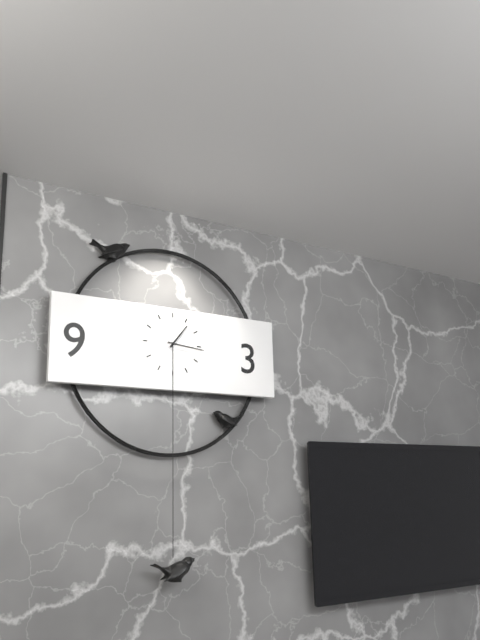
1:16
